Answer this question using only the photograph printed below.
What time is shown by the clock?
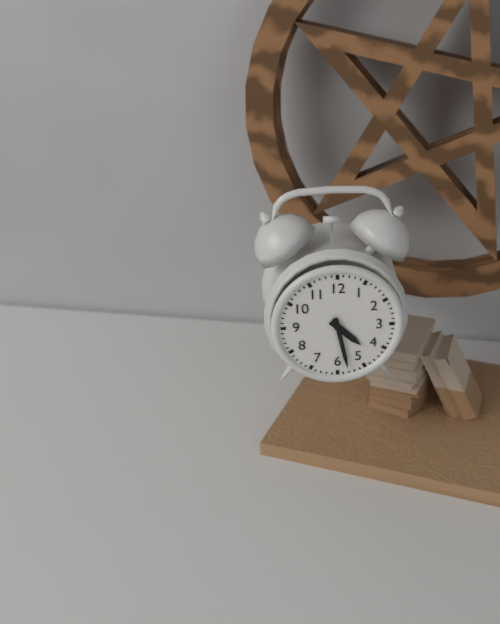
4:28
